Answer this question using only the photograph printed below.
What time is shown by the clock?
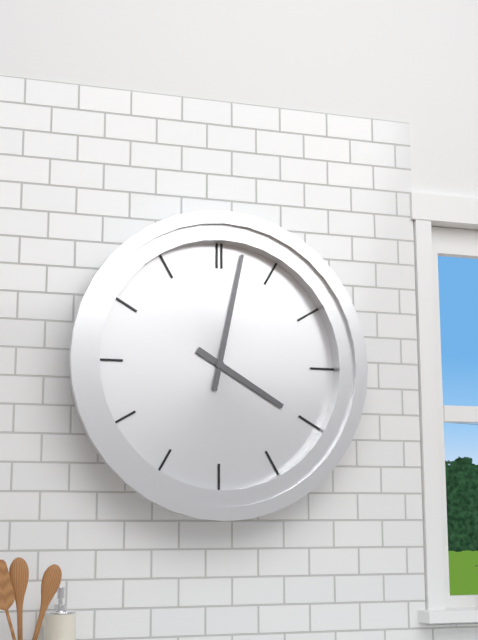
4:02
